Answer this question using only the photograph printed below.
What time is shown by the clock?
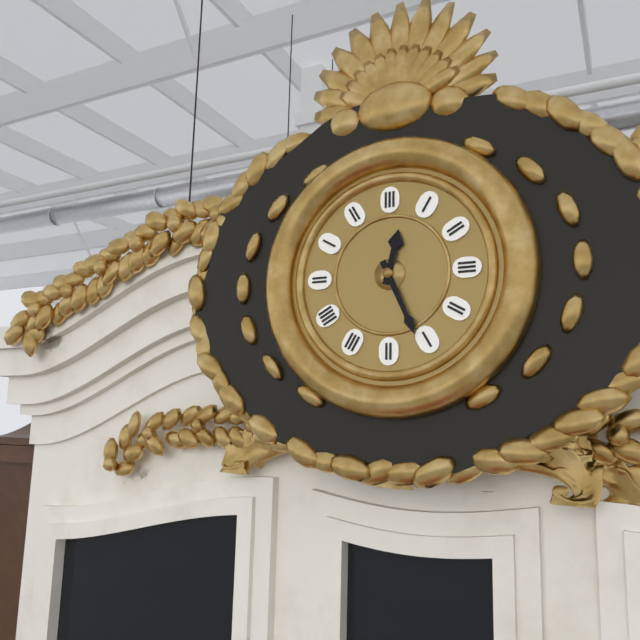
12:26
